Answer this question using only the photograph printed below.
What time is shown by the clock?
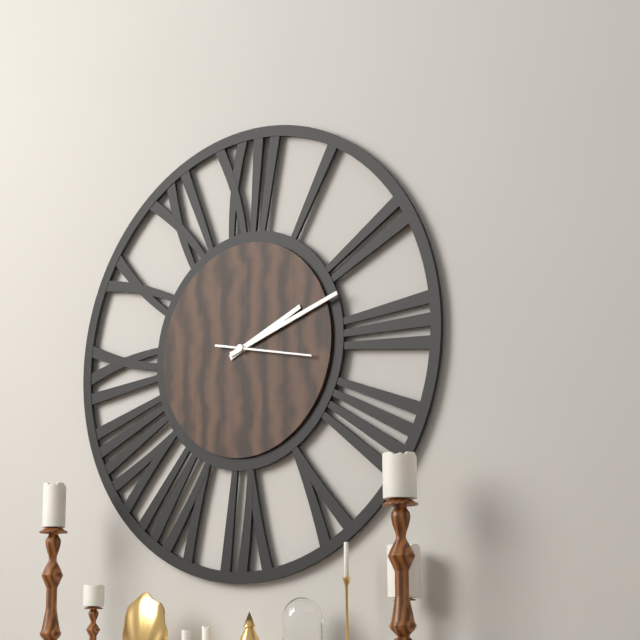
2:12:17
